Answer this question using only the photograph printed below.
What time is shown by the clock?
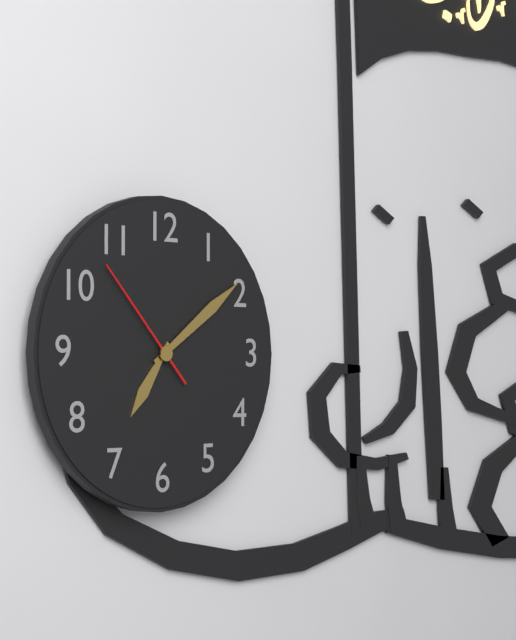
7:09:53
